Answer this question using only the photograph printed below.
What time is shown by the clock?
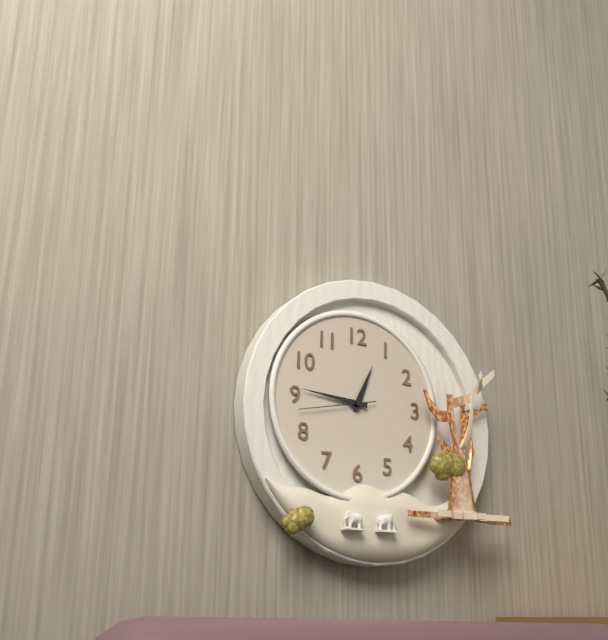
12:46:43
